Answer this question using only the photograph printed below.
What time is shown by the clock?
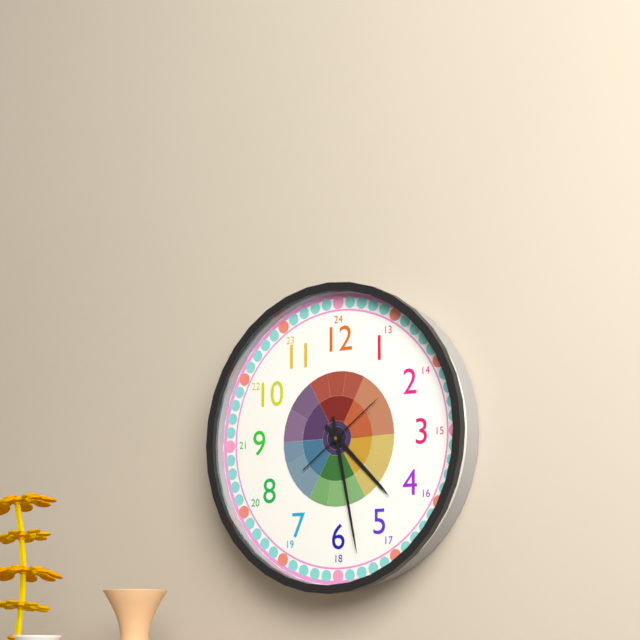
4:28:09
